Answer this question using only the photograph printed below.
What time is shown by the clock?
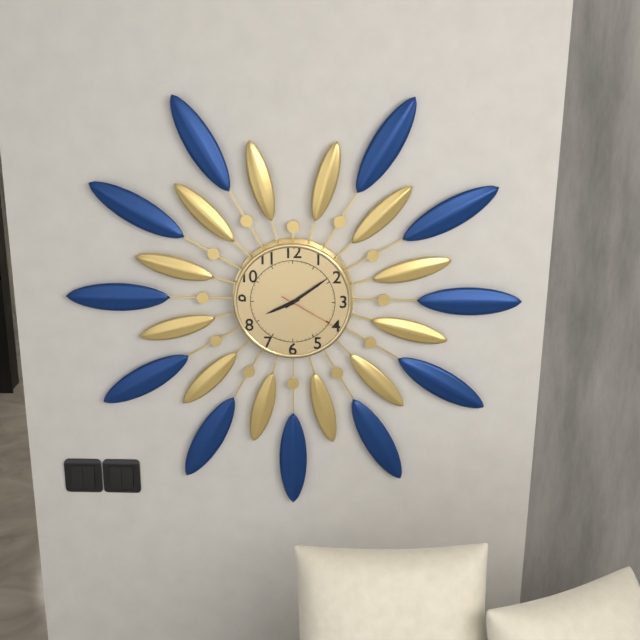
8:09:20
